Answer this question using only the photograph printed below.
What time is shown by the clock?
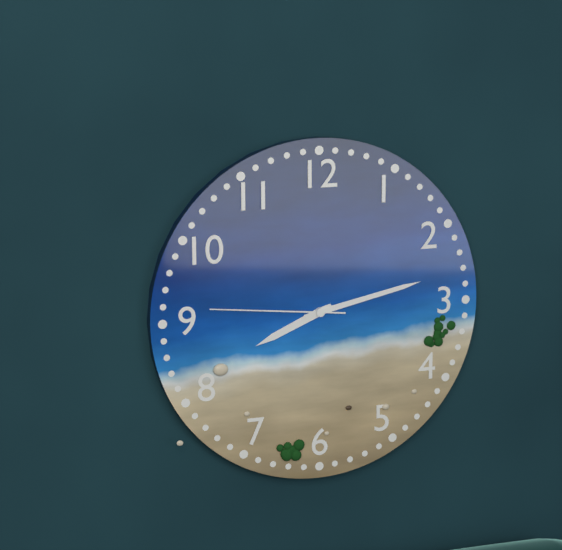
8:13:46
